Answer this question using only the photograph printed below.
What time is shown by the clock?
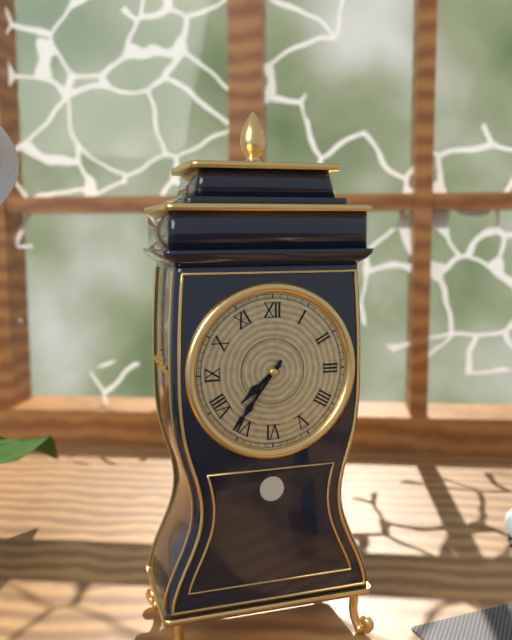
7:36
